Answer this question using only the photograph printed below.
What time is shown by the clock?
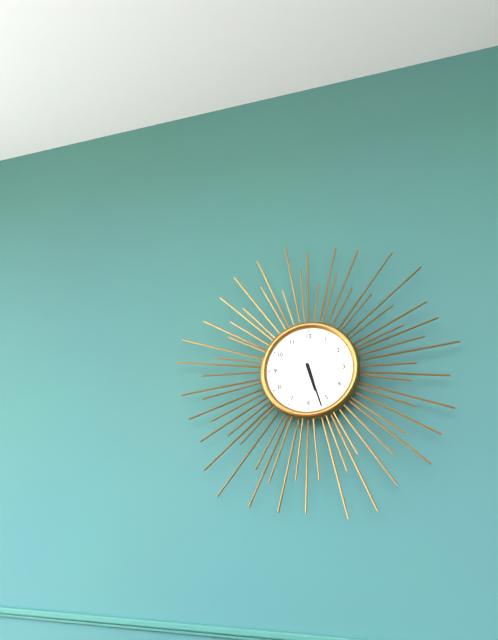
5:27
